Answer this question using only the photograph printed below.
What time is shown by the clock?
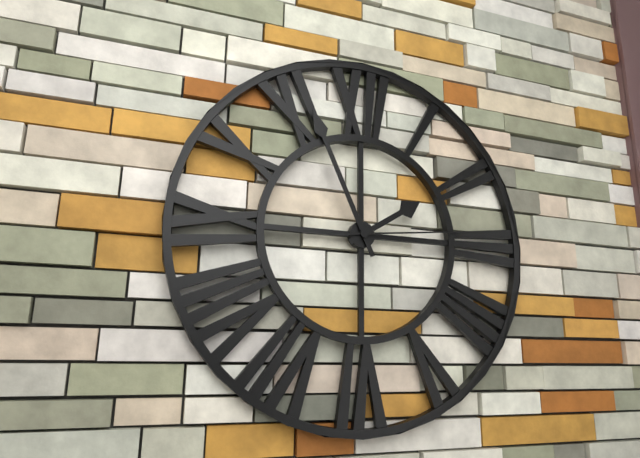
1:56:14
